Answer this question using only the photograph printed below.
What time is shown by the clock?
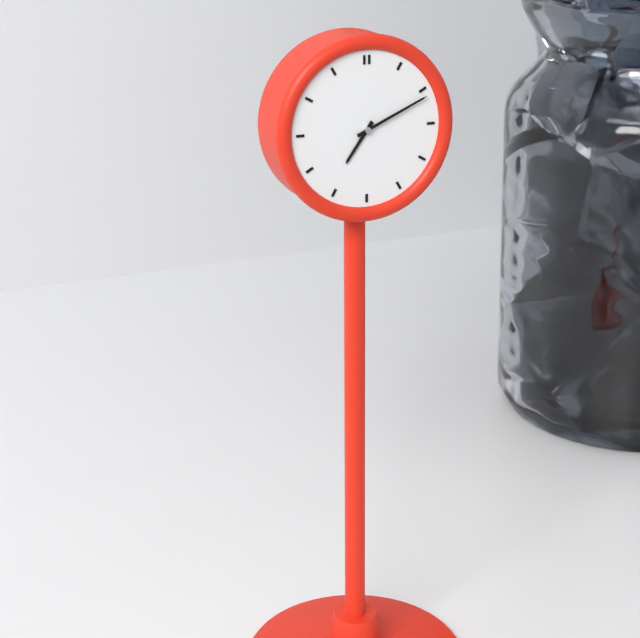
7:11
